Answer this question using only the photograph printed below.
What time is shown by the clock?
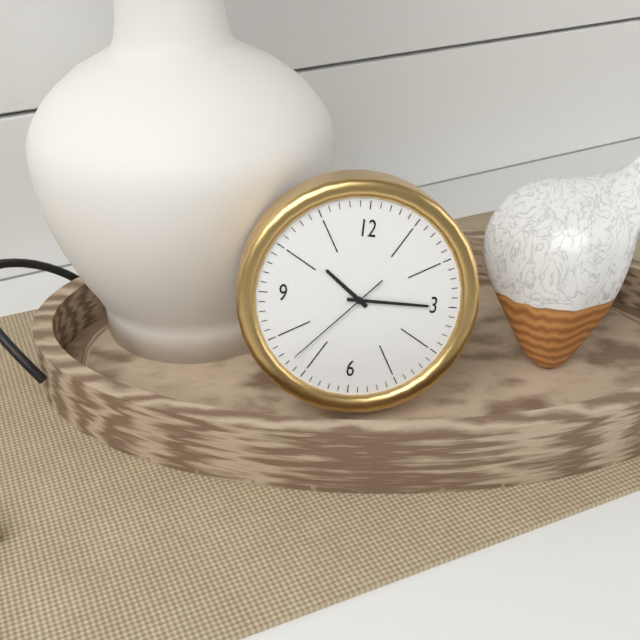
10:15:37
